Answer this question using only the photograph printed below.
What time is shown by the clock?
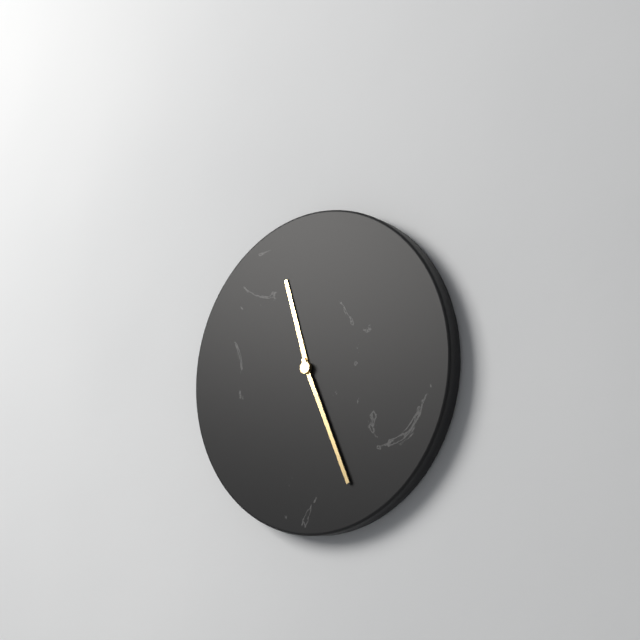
11:26
